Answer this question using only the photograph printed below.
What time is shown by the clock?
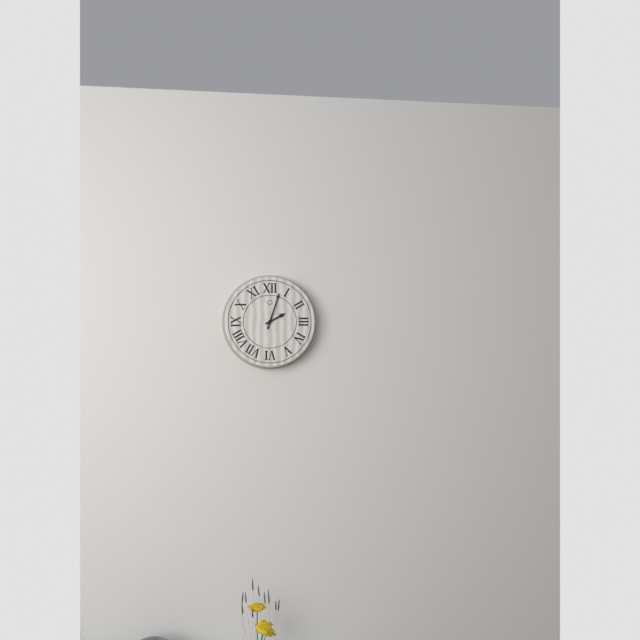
2:03
